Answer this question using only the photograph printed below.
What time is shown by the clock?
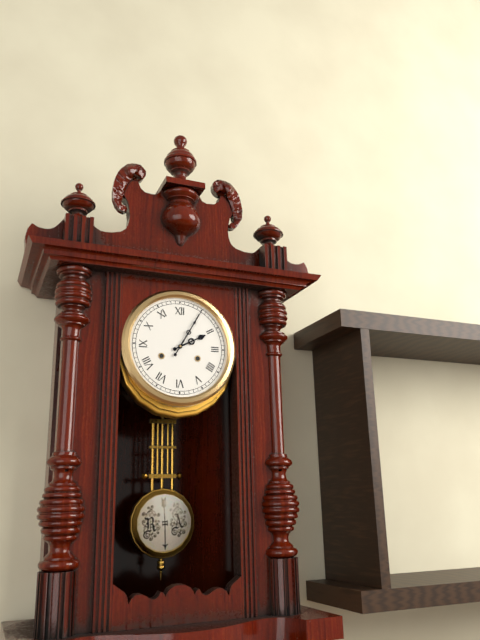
2:05
